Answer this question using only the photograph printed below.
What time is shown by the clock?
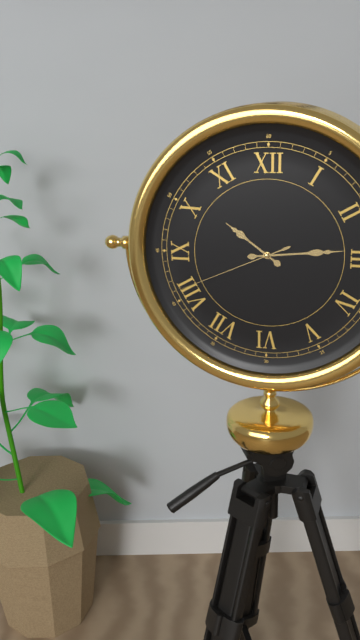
10:14:41
